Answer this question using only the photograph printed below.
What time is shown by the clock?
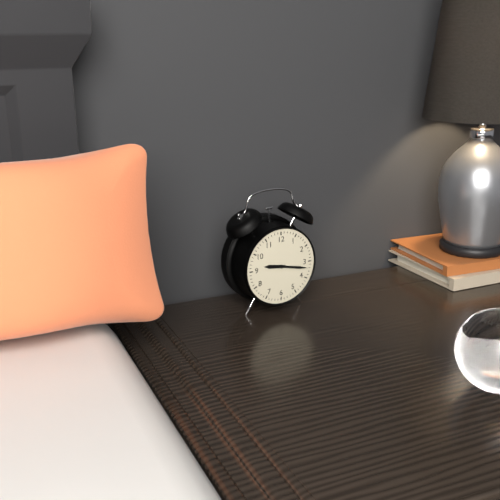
9:17
